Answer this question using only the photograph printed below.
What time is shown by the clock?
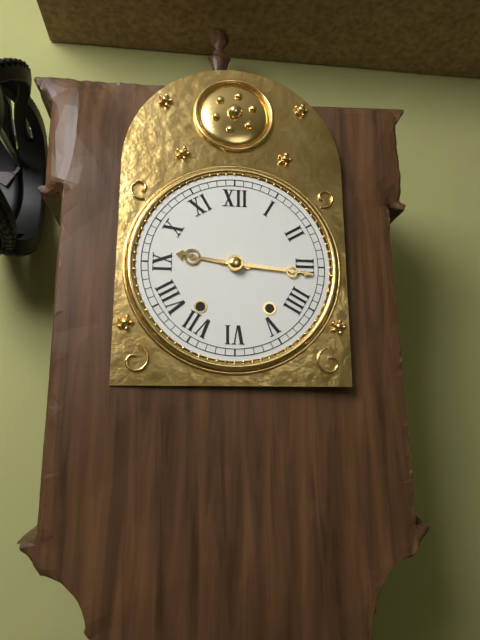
9:16
